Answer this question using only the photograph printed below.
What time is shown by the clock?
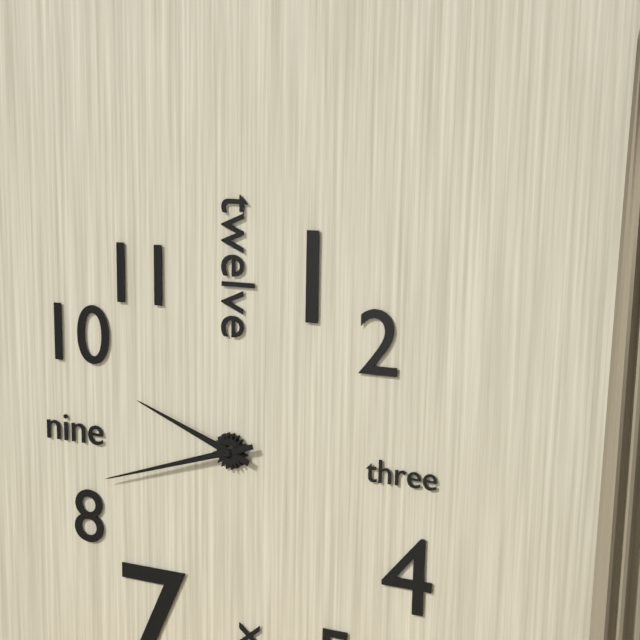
9:42
